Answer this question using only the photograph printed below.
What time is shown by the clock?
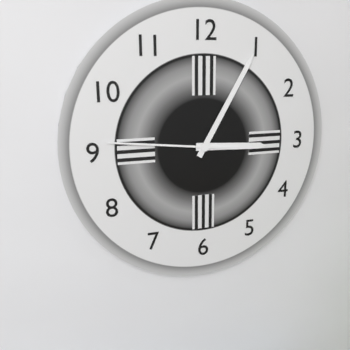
3:05:46
